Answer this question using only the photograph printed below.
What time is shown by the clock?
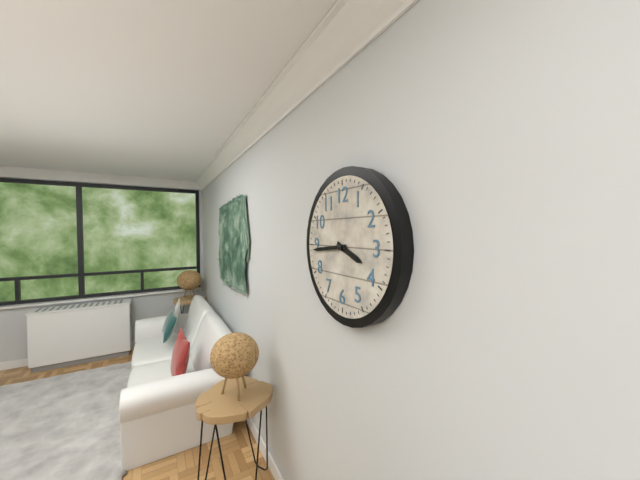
3:44
